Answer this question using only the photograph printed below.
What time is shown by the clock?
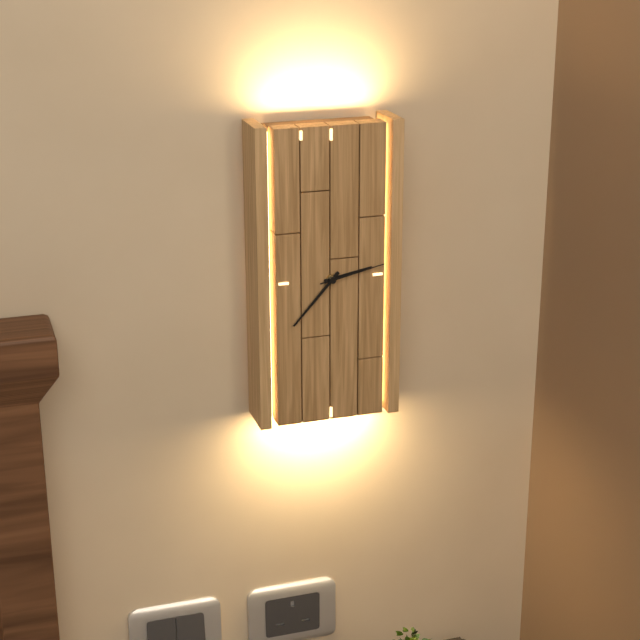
2:37:13
